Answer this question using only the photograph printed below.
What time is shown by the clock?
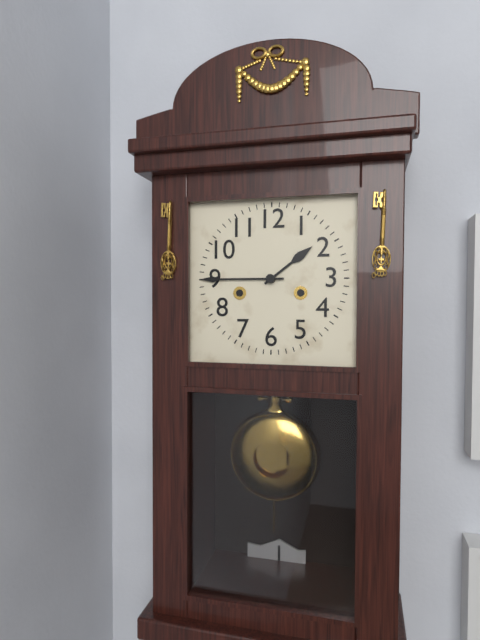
1:45
